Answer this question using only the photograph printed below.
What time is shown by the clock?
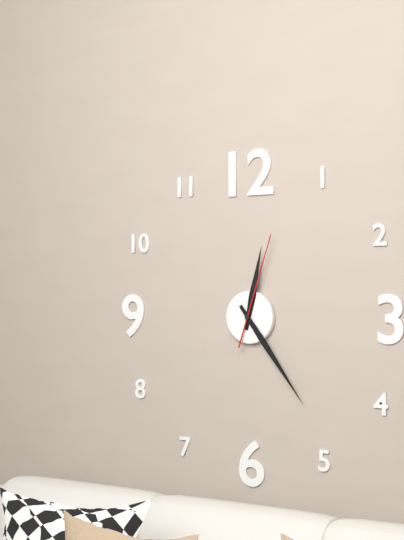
12:24:03
